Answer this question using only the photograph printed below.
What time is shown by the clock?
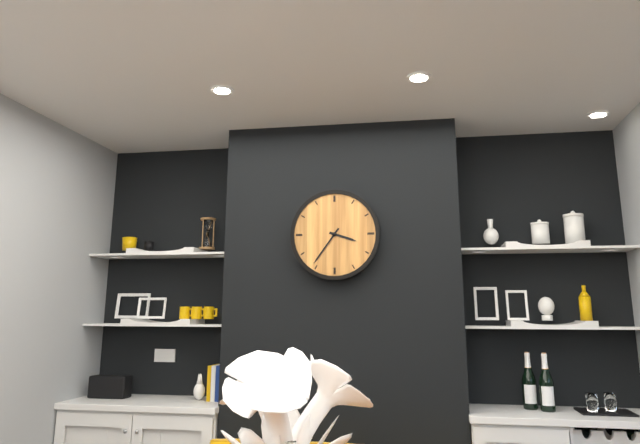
3:36
